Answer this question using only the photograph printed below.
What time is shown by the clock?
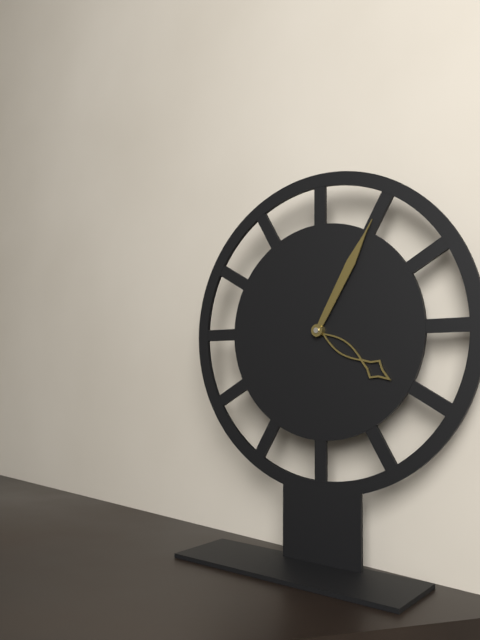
4:05
